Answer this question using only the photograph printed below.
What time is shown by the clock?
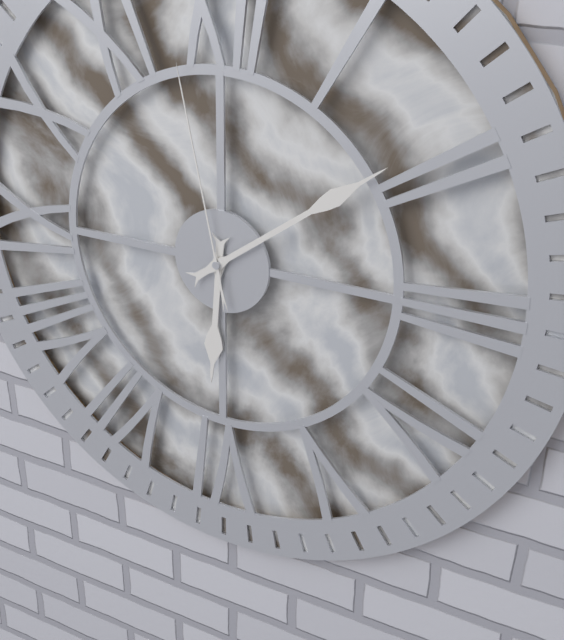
6:09:58
